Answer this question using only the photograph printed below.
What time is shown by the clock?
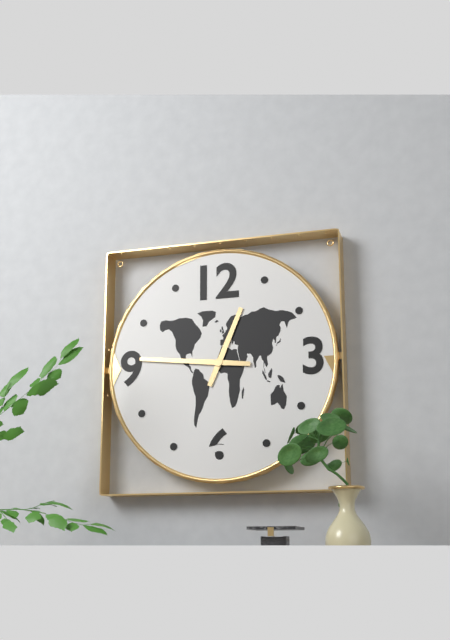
12:46
